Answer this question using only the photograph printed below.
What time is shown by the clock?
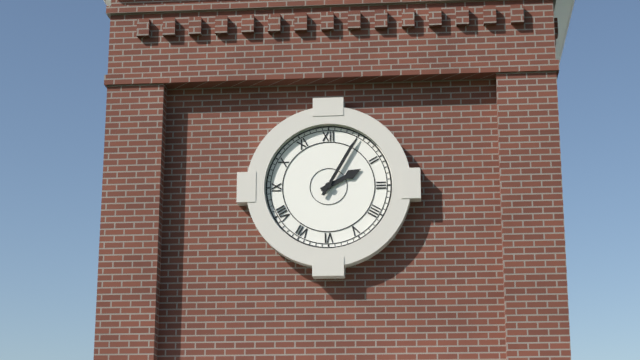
2:05
